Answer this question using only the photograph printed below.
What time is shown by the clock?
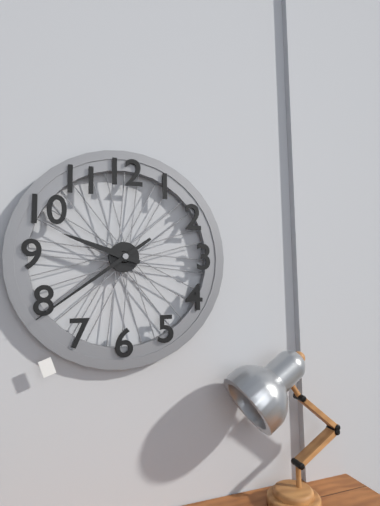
9:39
